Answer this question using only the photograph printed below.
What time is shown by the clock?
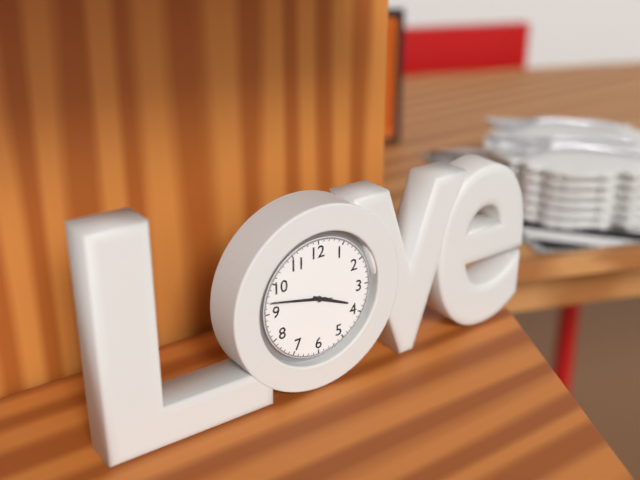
3:47:47
